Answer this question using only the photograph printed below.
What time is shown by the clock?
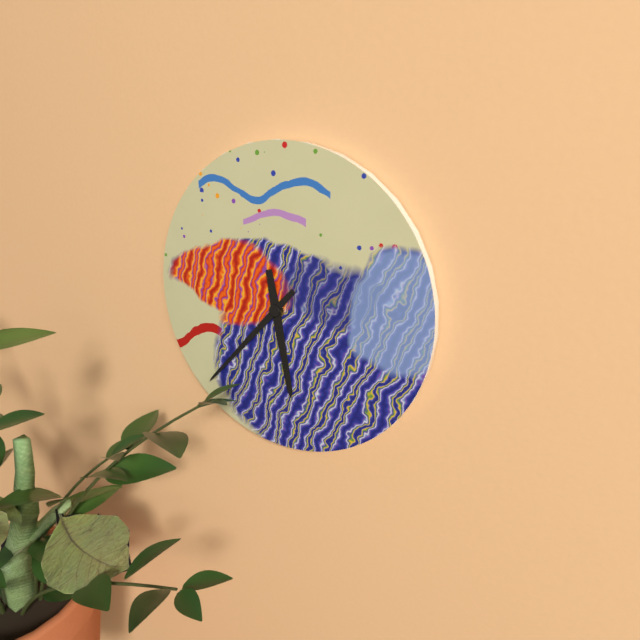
5:37
